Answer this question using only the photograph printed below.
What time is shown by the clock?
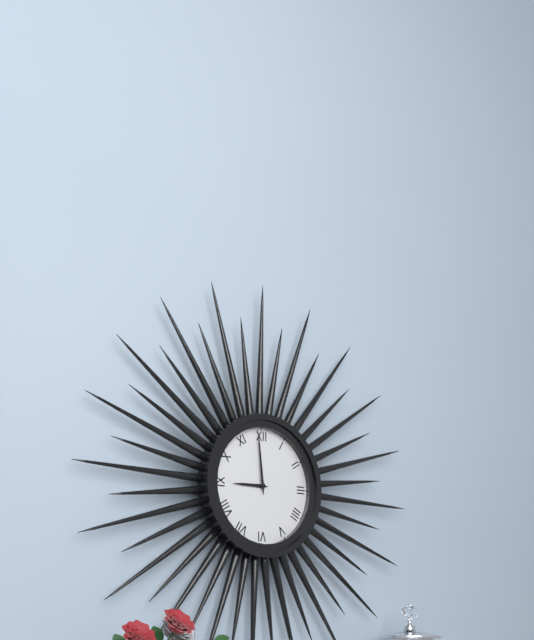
8:59
